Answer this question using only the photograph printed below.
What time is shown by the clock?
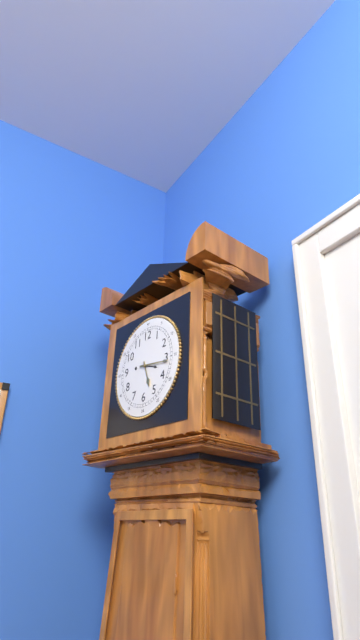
5:16
